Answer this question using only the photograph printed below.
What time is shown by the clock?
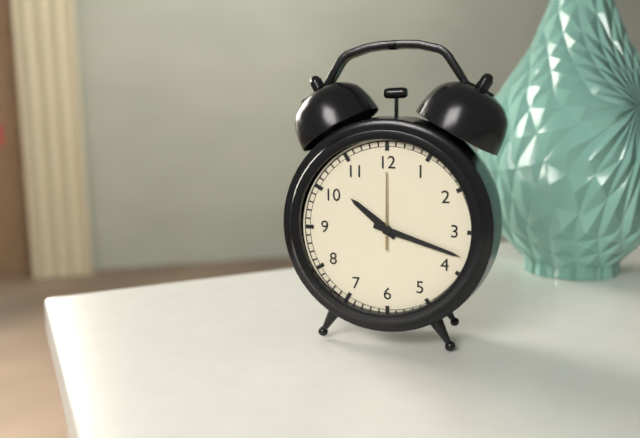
10:18:00
